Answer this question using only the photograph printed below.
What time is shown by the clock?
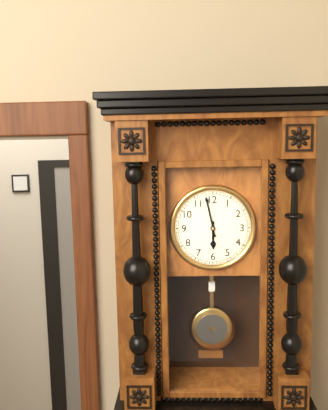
5:58
